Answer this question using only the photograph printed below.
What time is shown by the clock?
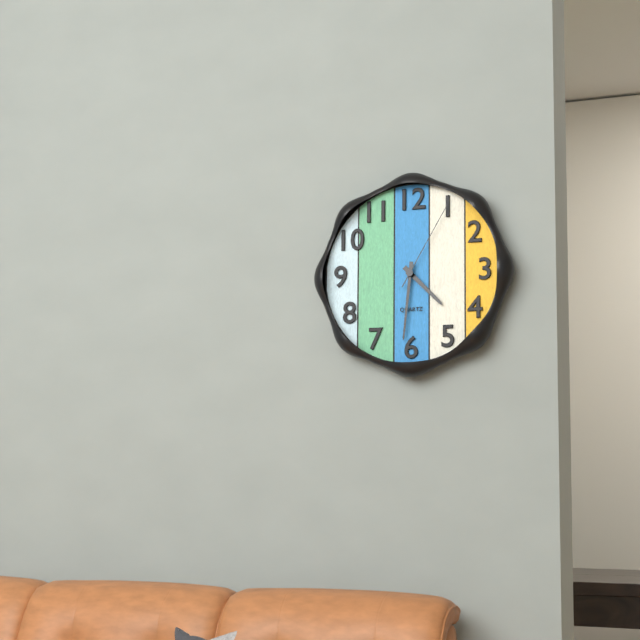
4:31:05
